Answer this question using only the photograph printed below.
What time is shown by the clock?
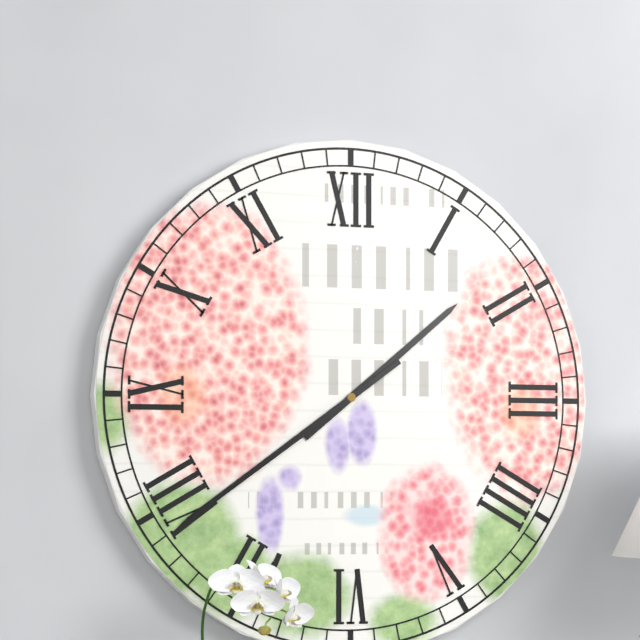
1:39
